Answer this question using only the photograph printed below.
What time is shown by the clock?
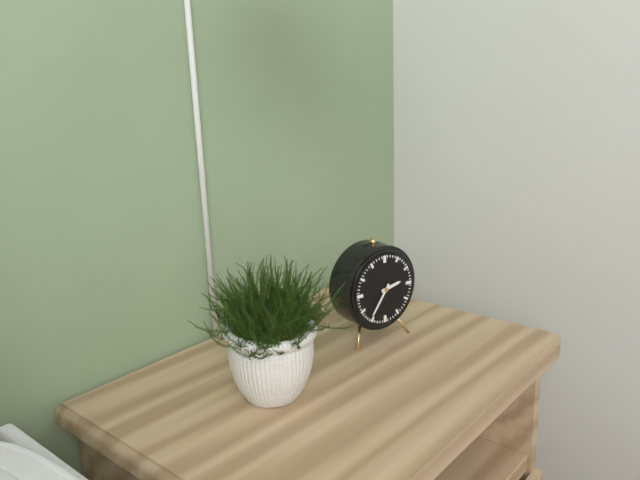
2:36
